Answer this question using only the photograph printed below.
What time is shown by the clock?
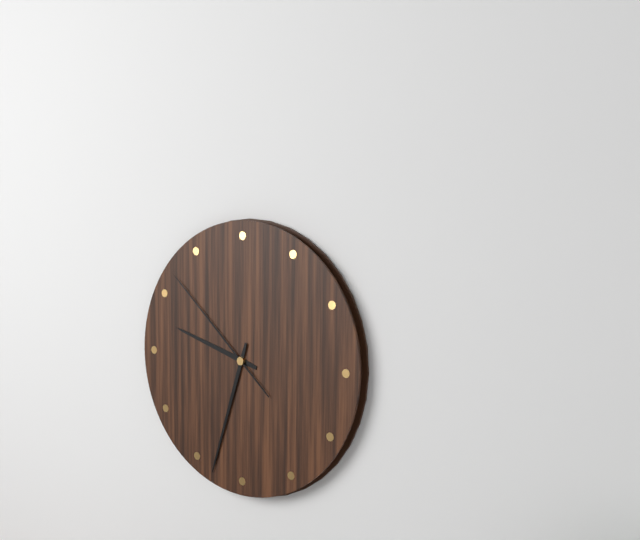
9:33:52
